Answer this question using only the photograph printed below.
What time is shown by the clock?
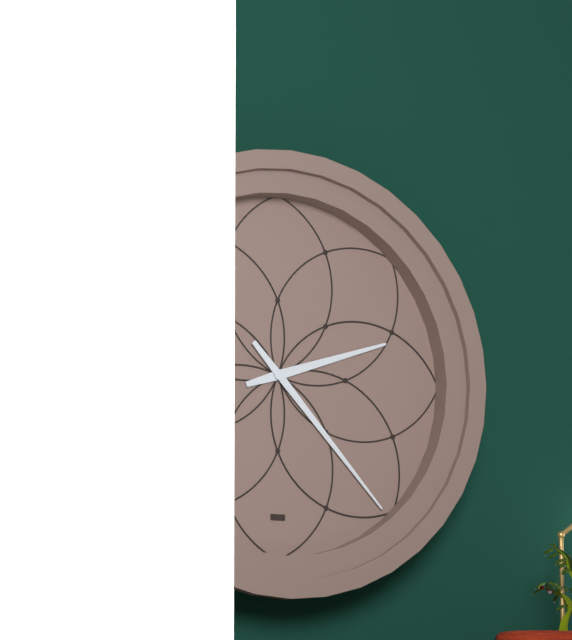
2:23
